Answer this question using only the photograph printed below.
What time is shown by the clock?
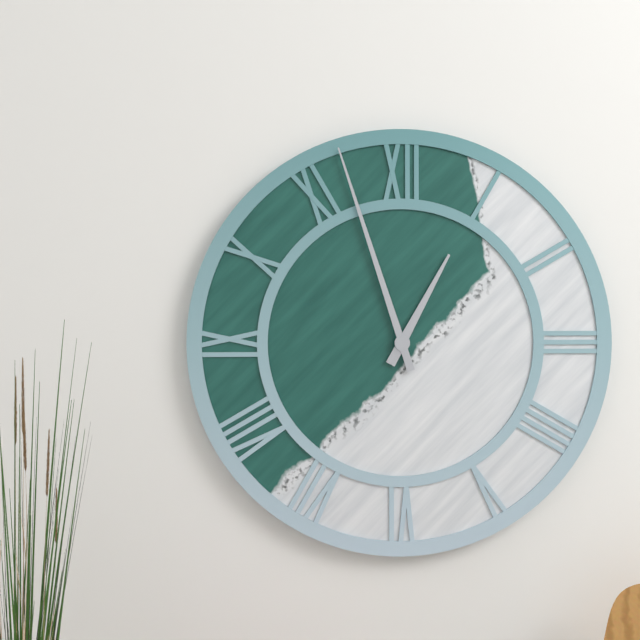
12:57
